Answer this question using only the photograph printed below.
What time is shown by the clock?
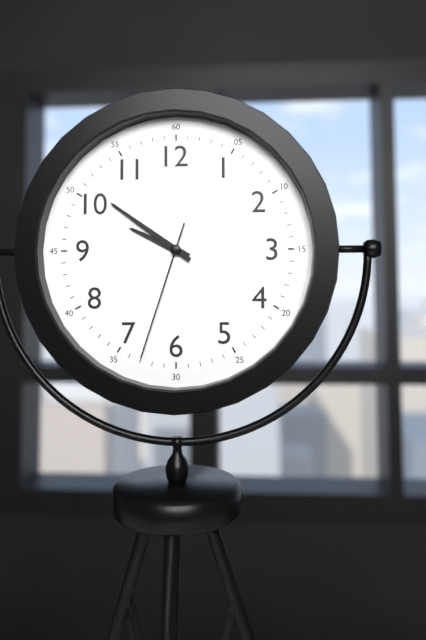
9:51:33
